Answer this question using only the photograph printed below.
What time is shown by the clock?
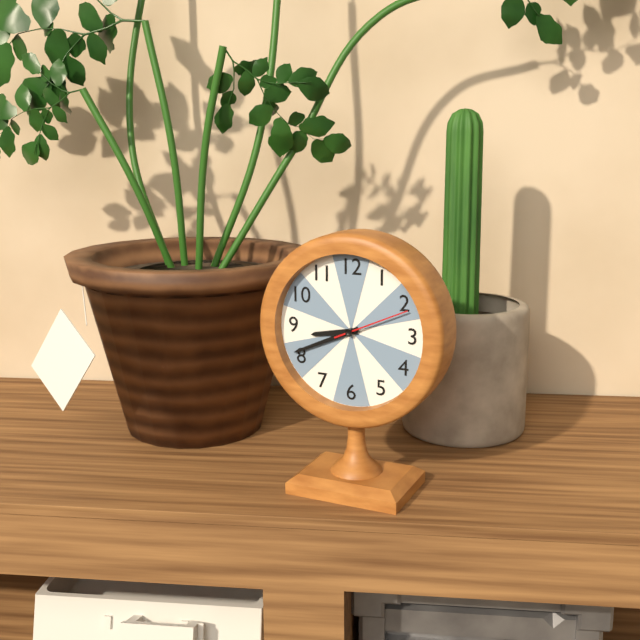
8:41:11
